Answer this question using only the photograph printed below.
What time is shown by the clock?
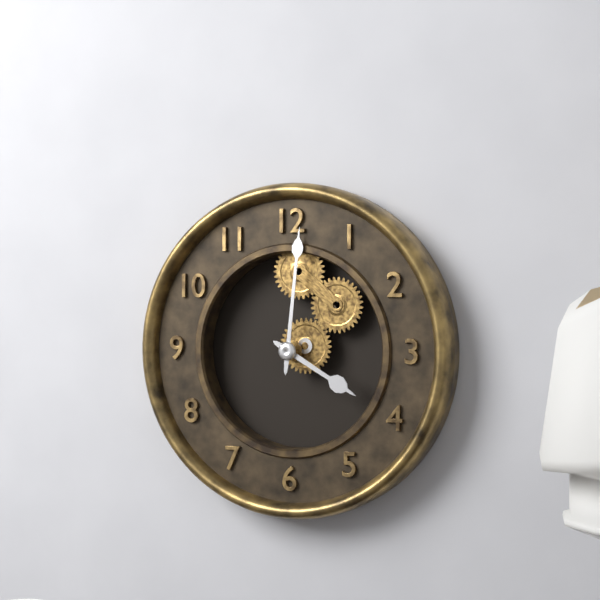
4:01
